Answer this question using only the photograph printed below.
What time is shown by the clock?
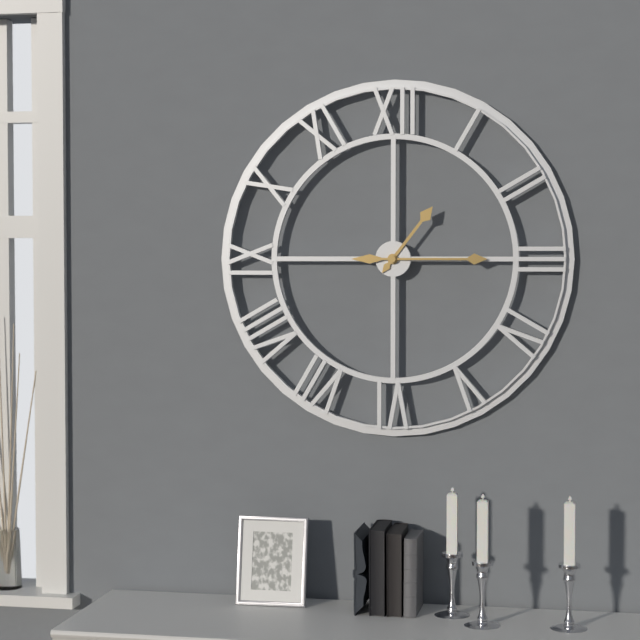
1:15
